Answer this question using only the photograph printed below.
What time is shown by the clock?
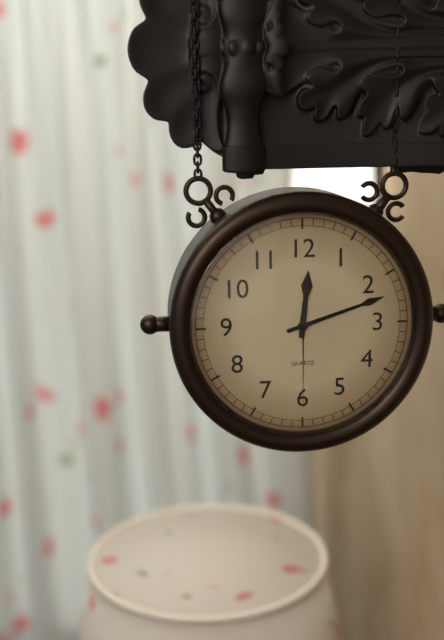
12:12:30
